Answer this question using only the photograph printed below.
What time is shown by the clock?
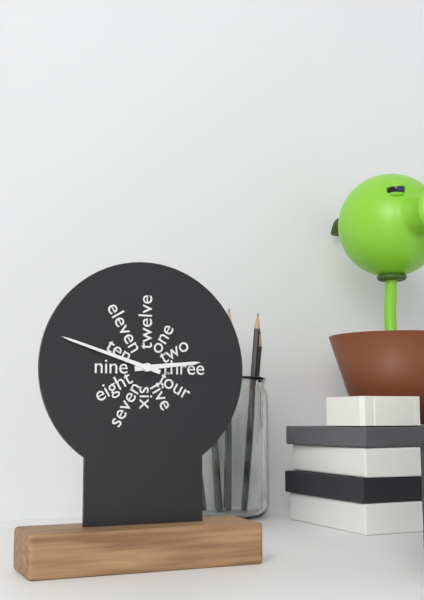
2:48
